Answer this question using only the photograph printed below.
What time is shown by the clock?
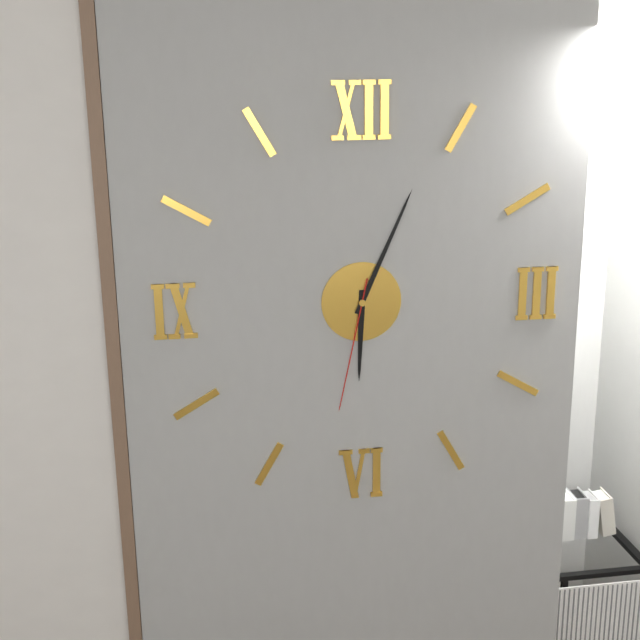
6:04:32
